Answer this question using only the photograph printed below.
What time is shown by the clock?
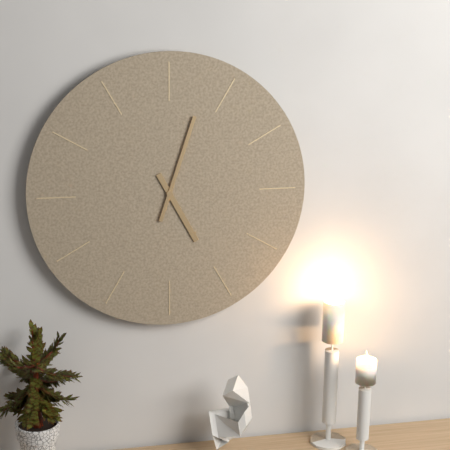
5:03
